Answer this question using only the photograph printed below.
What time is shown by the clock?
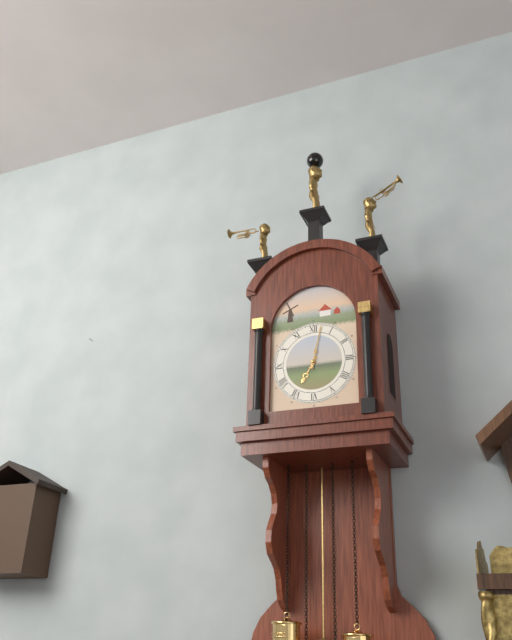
7:02
